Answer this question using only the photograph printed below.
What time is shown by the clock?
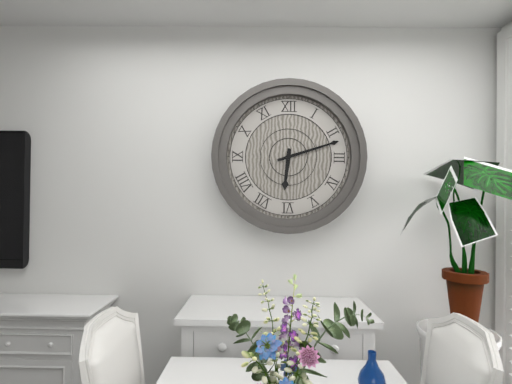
6:12
